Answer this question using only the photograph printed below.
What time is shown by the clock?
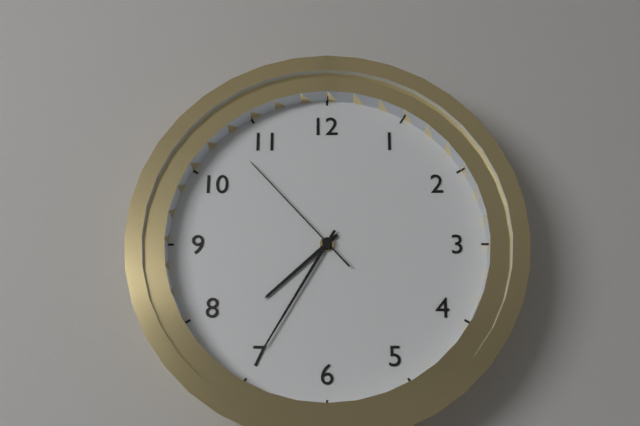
7:35:53
